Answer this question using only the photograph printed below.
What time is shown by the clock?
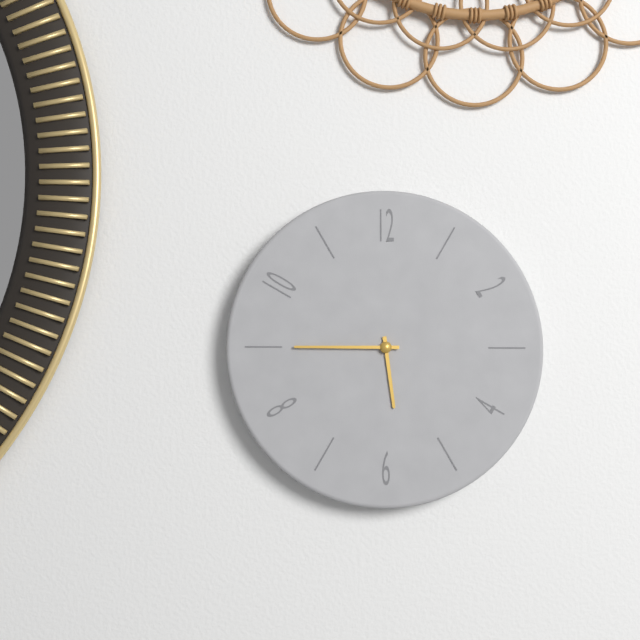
5:45
